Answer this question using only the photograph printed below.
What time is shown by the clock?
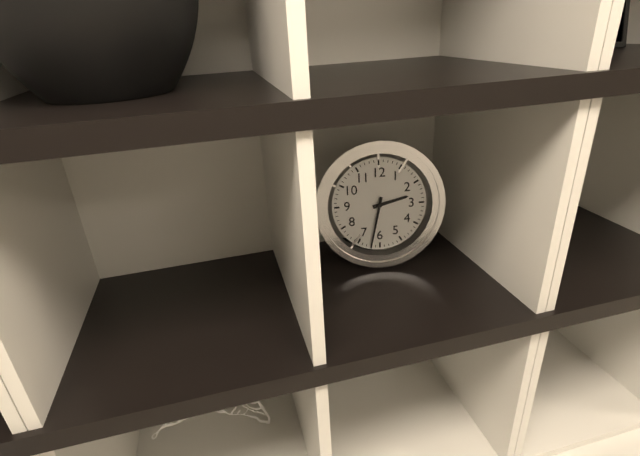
2:32
